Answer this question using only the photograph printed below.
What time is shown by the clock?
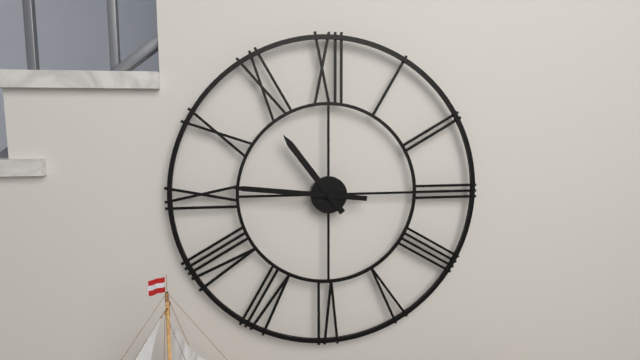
10:46
